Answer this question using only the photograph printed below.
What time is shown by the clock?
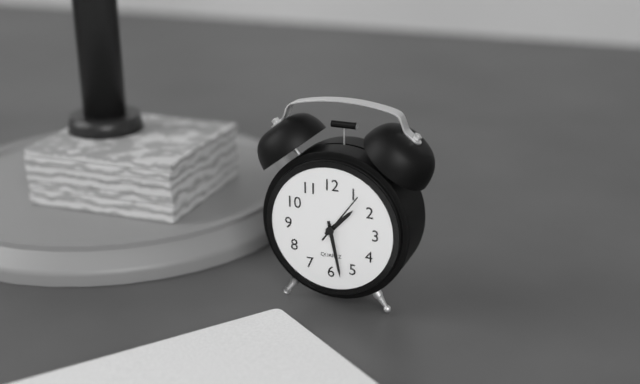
1:28:06
